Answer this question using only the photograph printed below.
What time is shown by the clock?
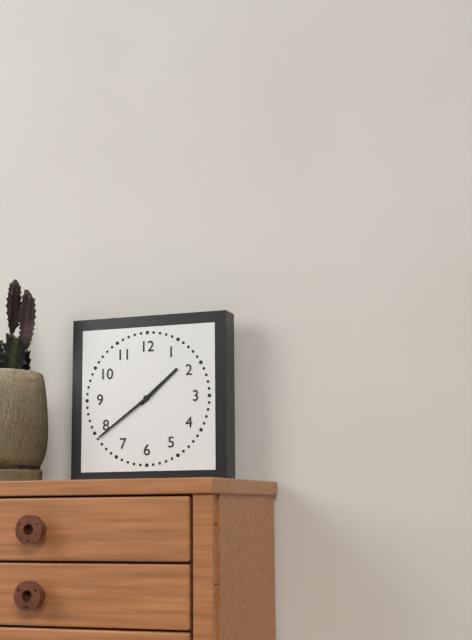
1:39
